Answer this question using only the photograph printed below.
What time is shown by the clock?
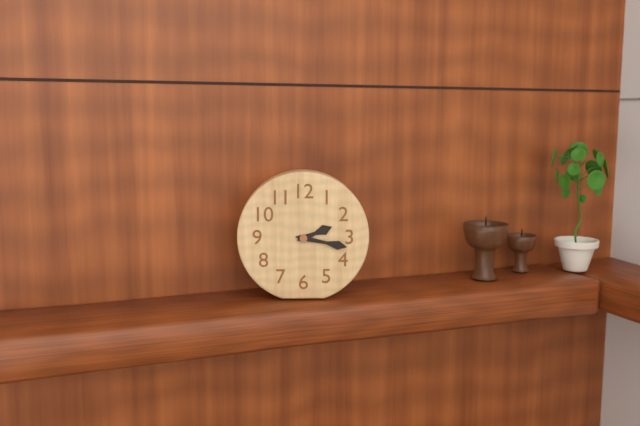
2:17
